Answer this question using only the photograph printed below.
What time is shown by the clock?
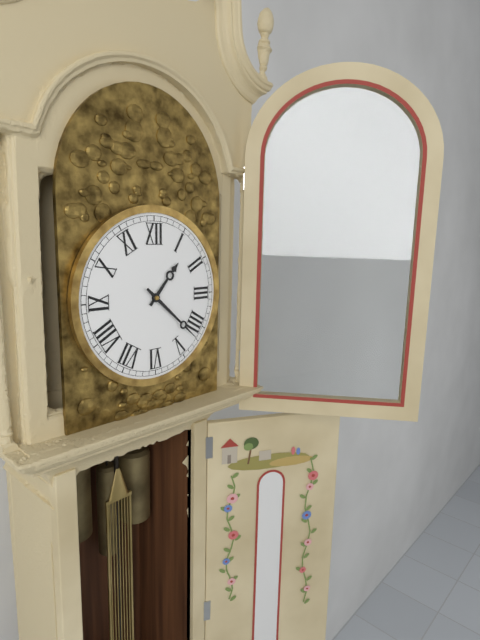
1:22
